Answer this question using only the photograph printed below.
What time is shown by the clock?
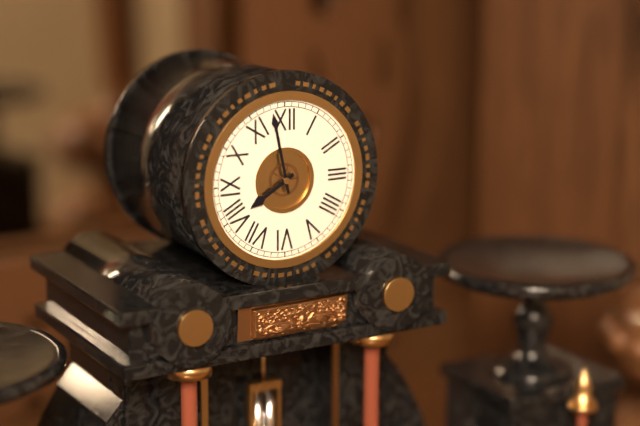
7:58
